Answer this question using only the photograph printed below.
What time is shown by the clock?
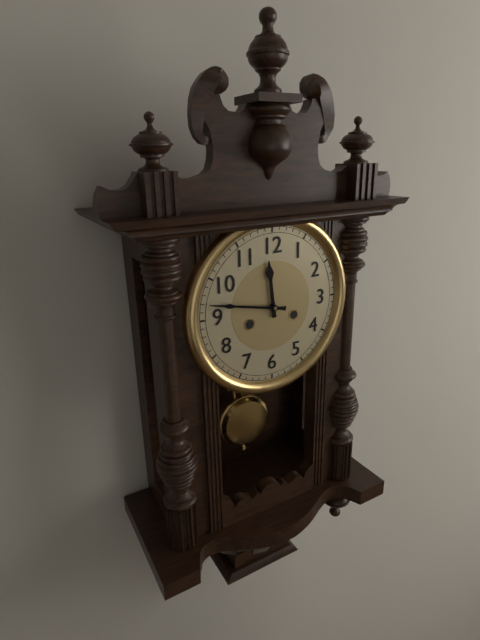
11:47
